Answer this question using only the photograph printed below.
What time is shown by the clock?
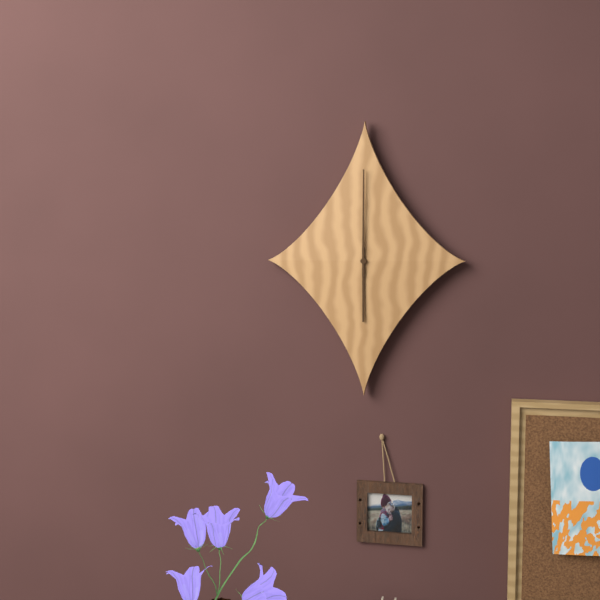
6:00
